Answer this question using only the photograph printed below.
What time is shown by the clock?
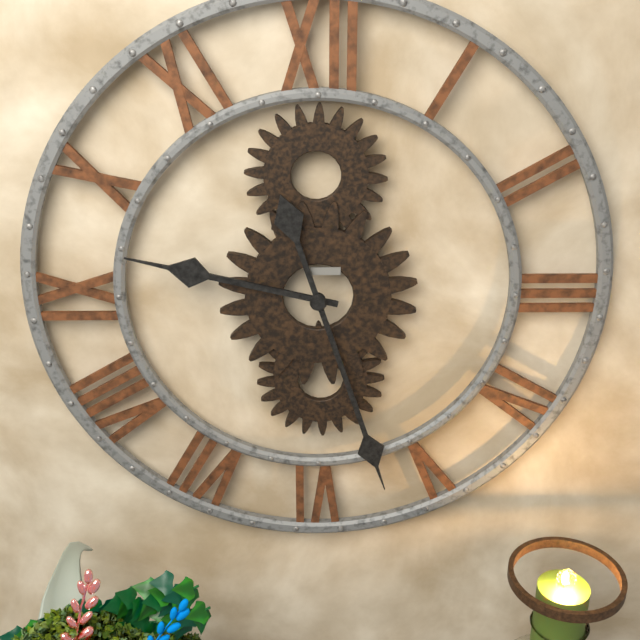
9:27
